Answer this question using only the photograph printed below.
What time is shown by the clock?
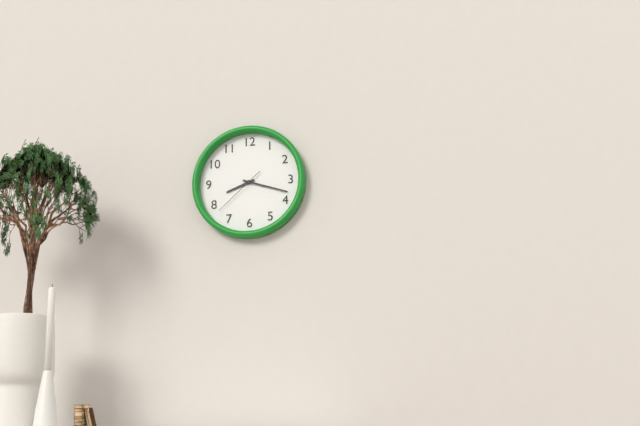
8:18:38
